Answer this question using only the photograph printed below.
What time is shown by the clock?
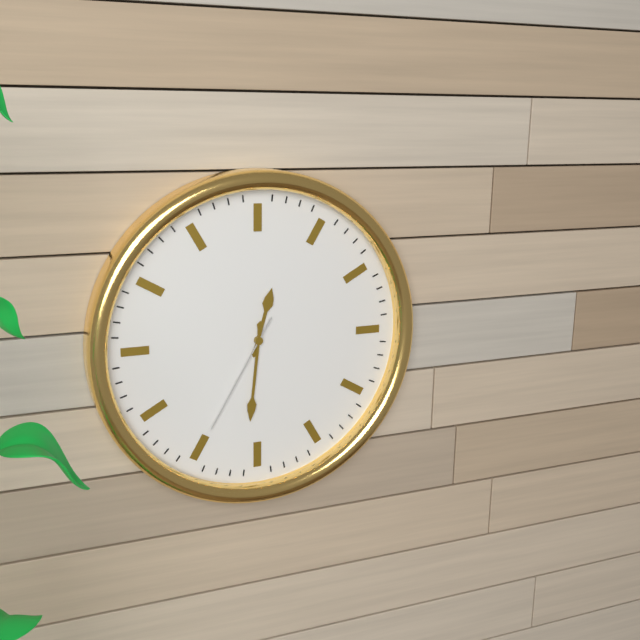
12:31:35
